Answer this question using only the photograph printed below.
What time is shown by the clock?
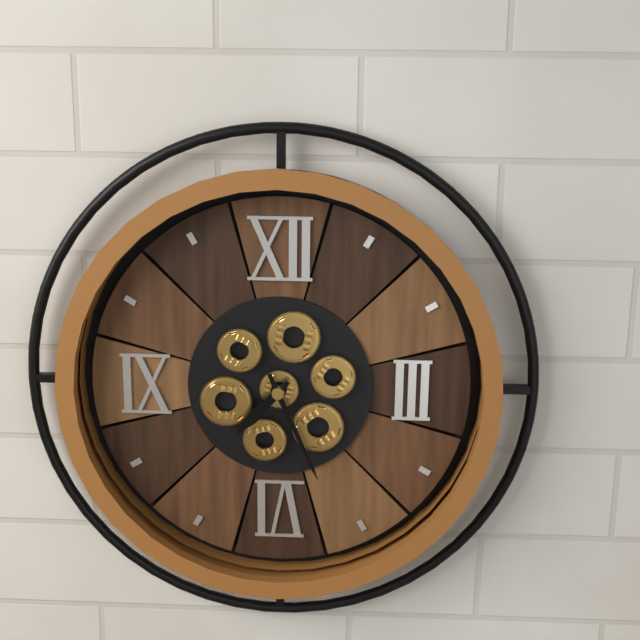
7:26
